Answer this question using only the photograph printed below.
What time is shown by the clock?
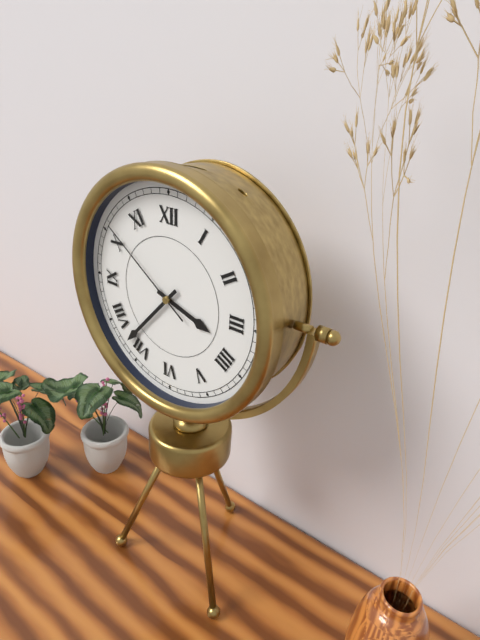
3:37:51
